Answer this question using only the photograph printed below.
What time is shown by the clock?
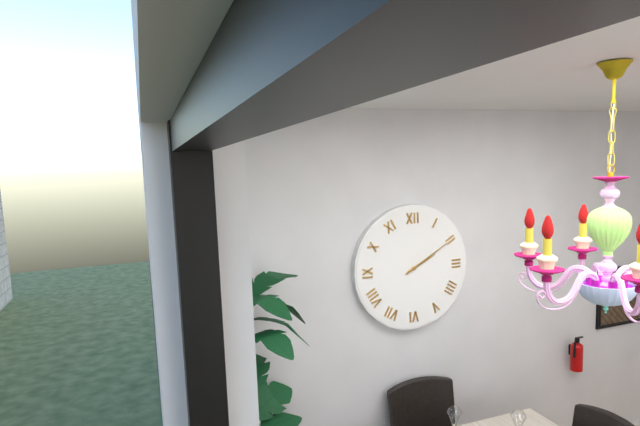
2:10
